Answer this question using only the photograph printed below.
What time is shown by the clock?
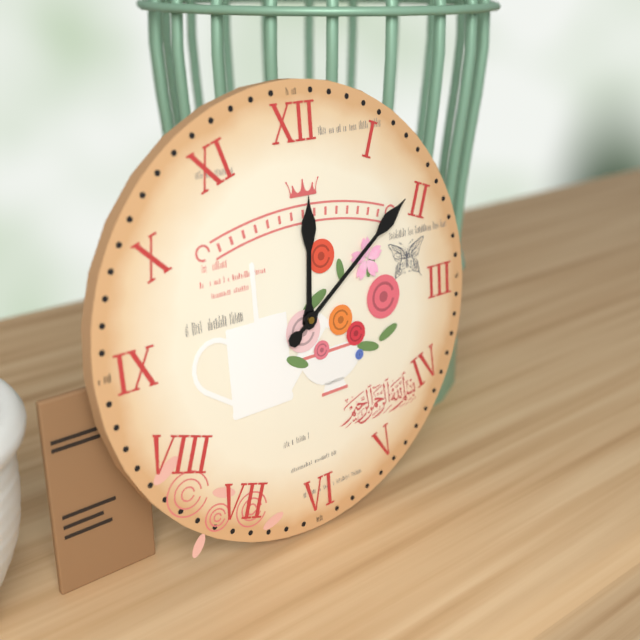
12:09
